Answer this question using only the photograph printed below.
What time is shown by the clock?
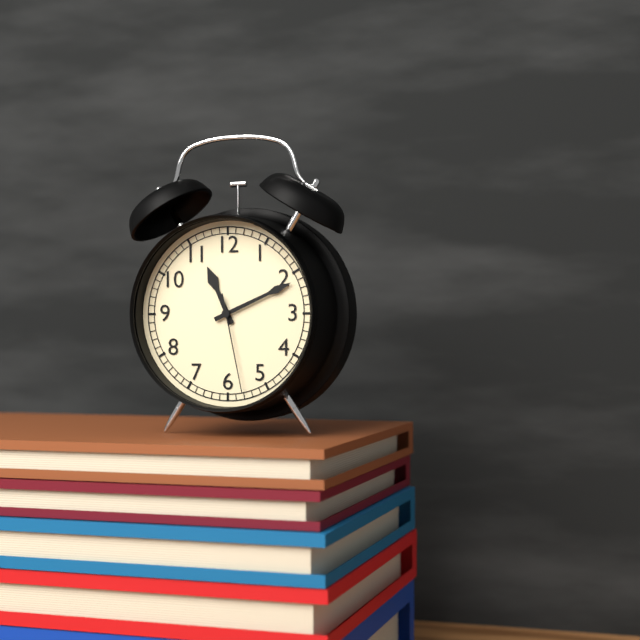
11:11:28
